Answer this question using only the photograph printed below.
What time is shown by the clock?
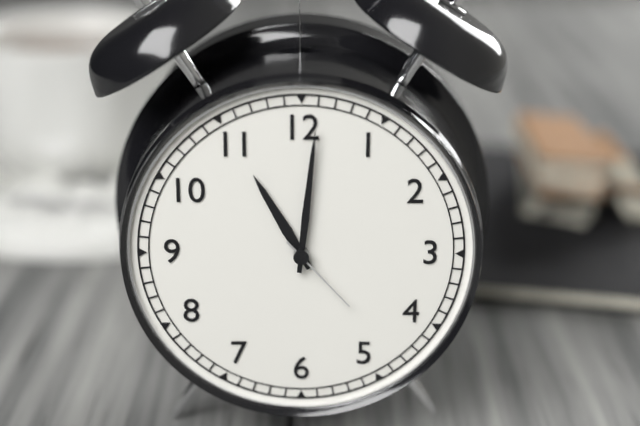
11:01:23
